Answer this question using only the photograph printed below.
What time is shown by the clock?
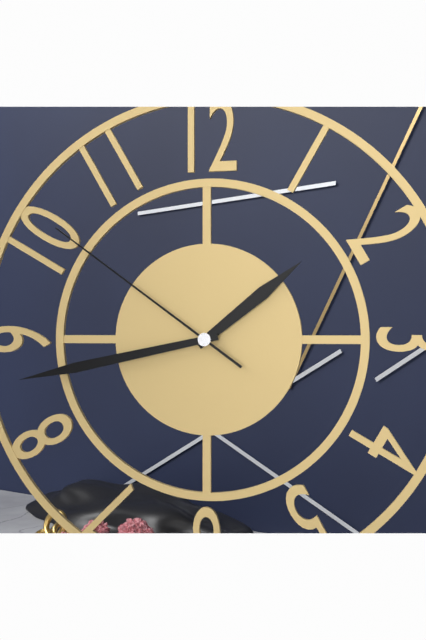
1:43:51
